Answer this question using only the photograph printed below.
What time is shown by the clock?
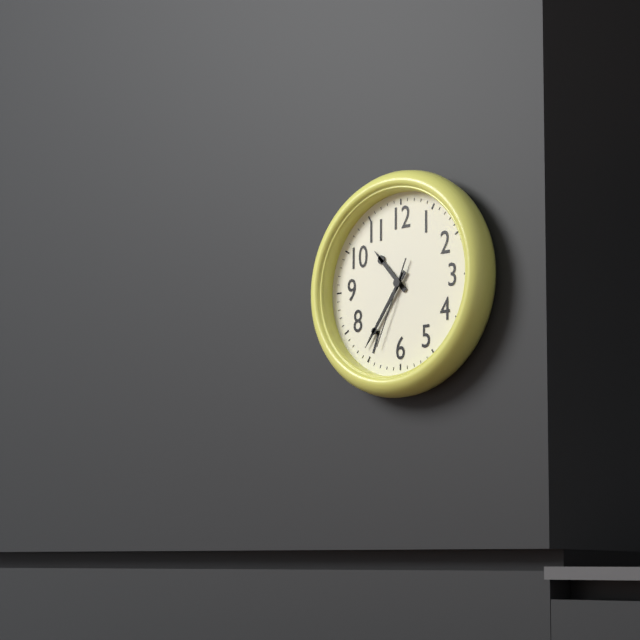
10:36:34
